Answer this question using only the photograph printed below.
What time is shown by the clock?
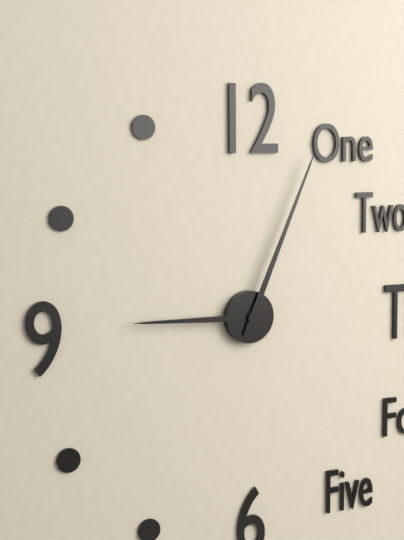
9:04
